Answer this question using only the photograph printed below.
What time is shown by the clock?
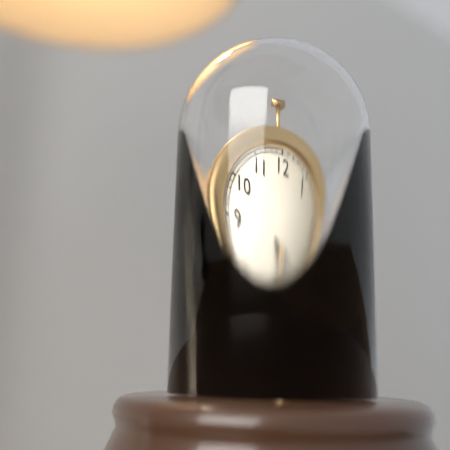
3:15
